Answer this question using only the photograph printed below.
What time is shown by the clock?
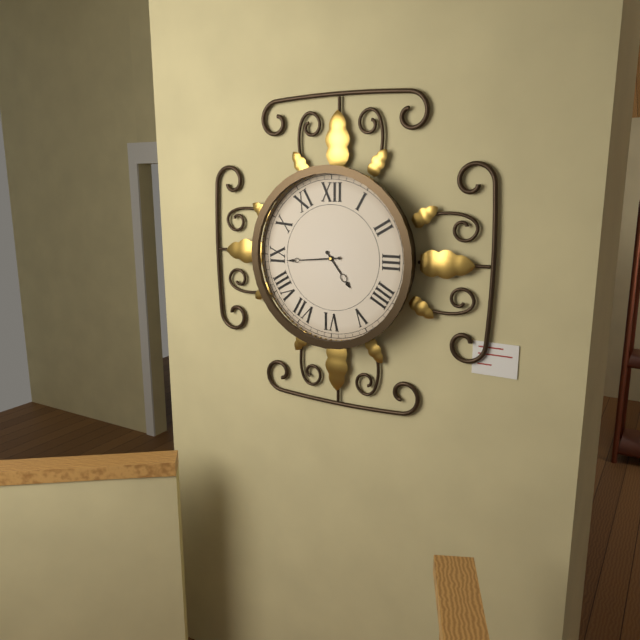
4:44
